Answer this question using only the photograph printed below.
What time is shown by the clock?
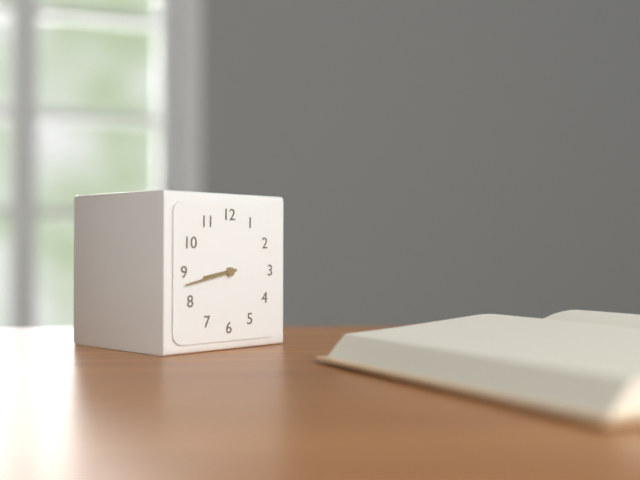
8:43
